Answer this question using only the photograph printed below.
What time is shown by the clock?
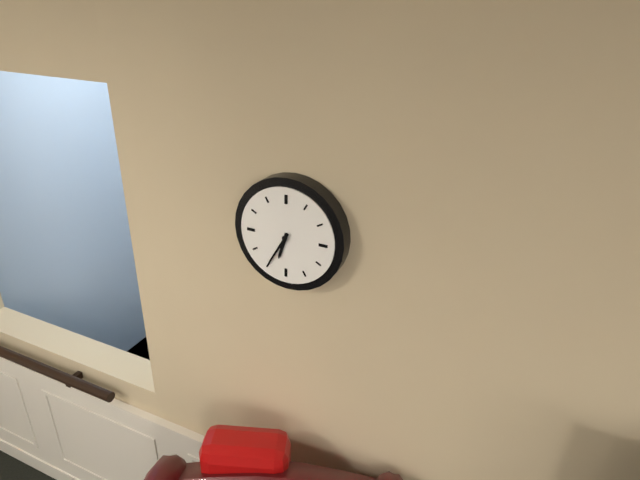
6:35
